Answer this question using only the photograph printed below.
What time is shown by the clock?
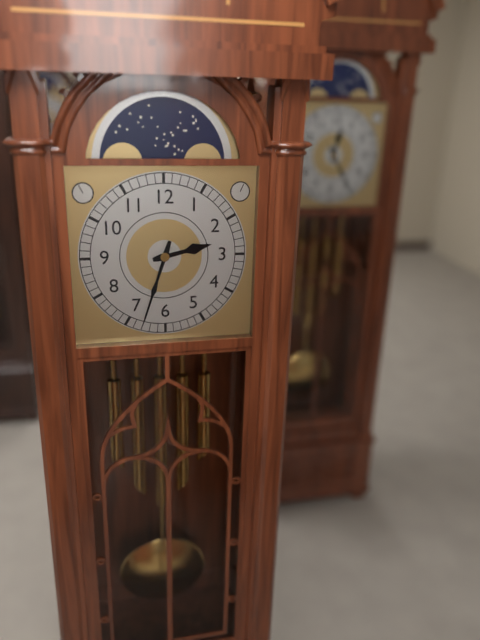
2:33
